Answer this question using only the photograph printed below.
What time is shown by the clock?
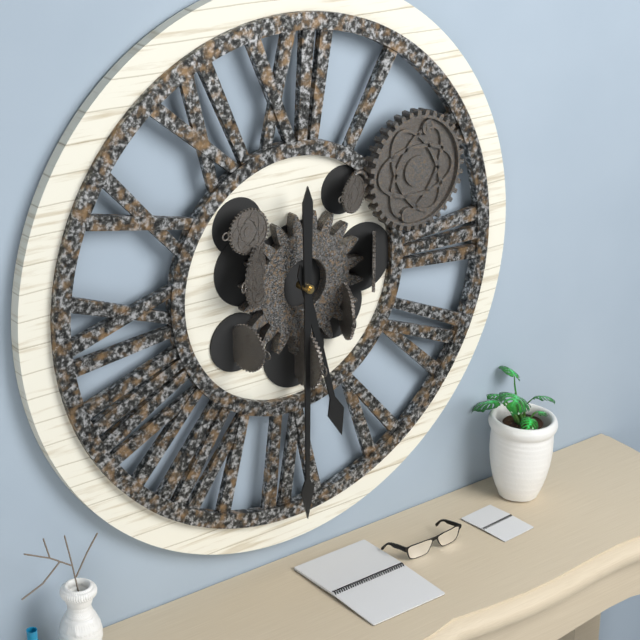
5:30
